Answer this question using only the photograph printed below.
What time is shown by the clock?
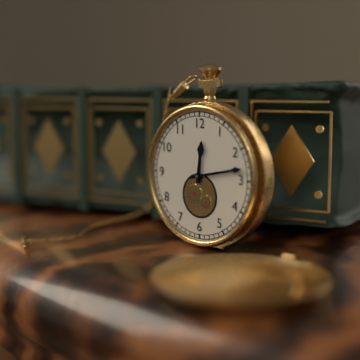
12:13
